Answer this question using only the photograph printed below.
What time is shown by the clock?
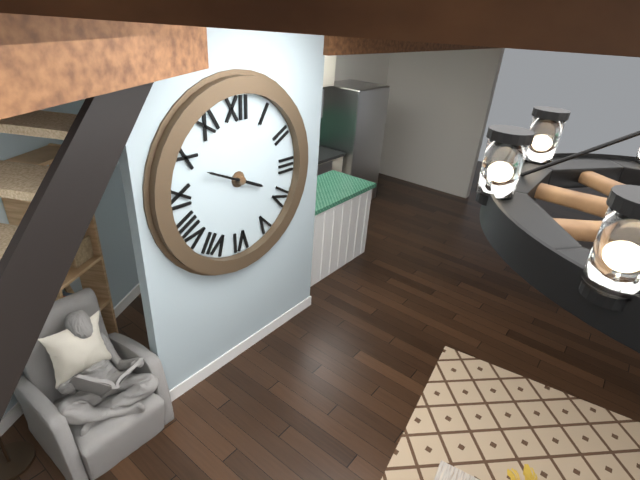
3:49
